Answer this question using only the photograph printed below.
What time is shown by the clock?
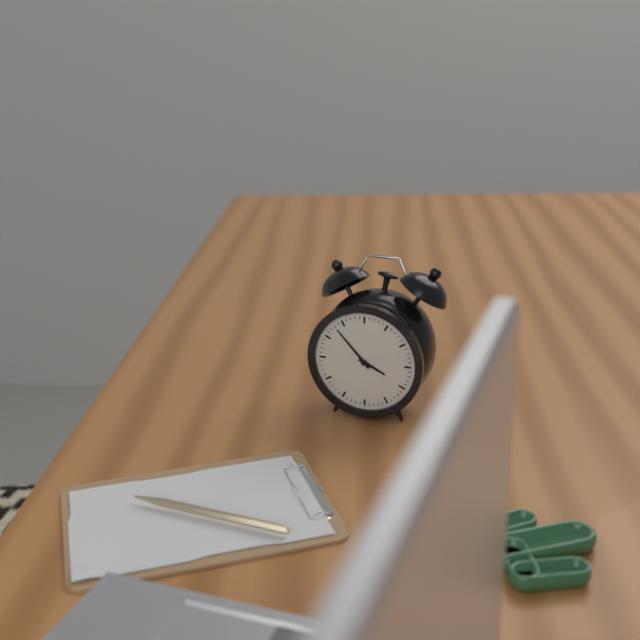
3:53
